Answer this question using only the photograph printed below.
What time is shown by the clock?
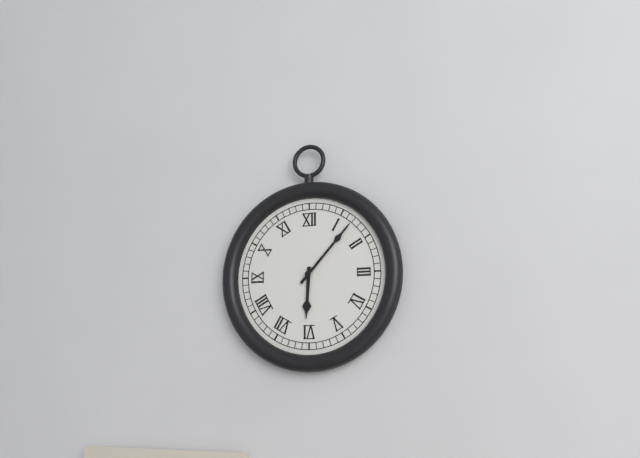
6:07
